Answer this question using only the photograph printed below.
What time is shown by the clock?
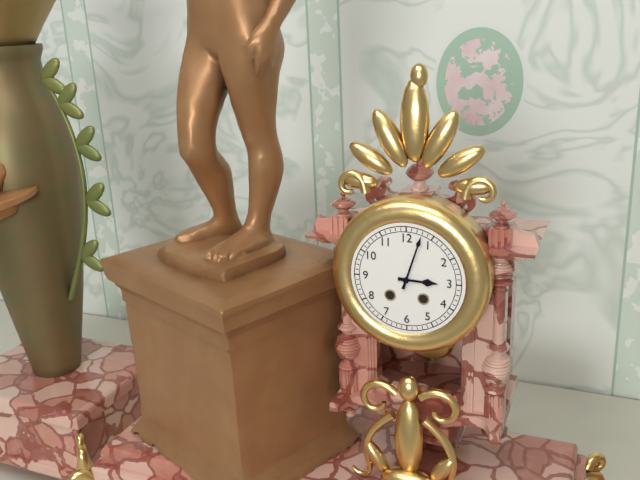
3:03
